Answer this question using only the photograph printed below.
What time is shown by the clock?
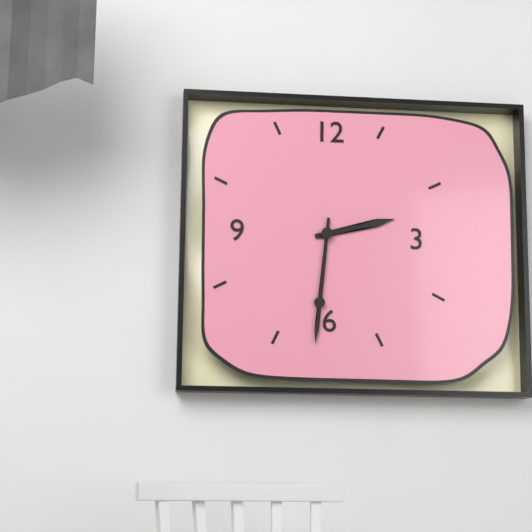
2:31
